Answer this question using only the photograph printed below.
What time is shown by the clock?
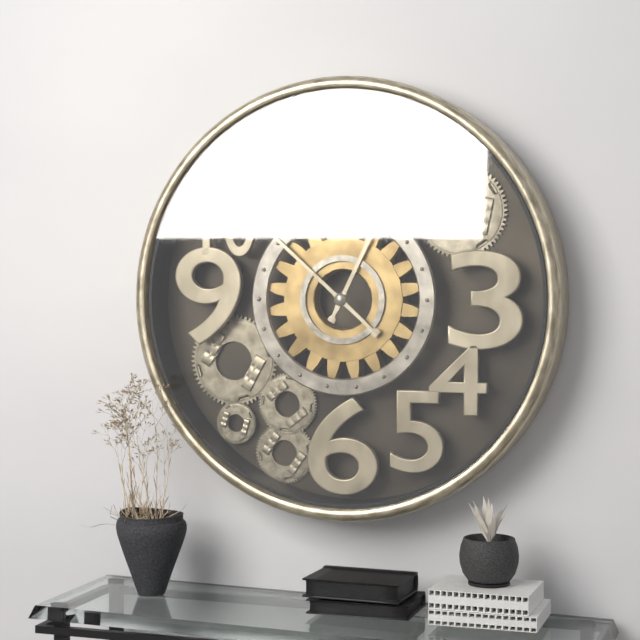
12:52
